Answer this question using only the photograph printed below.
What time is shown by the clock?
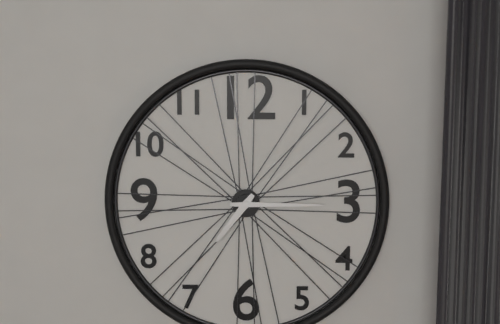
7:15
